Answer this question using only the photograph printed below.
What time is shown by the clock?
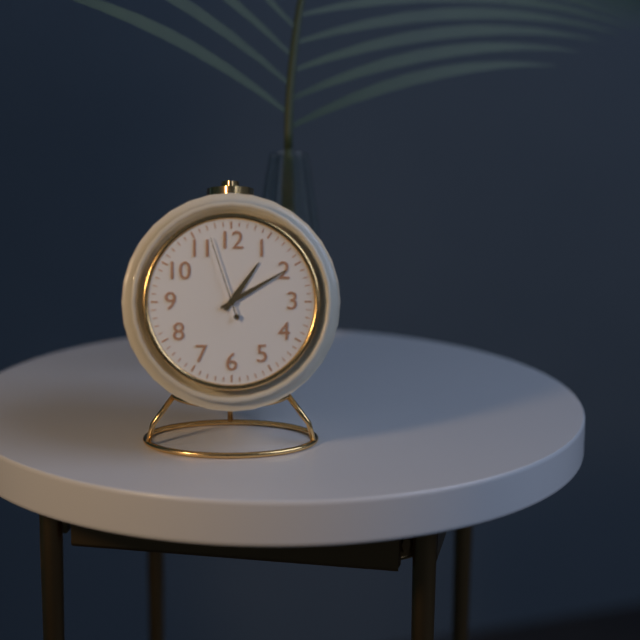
1:10:57
